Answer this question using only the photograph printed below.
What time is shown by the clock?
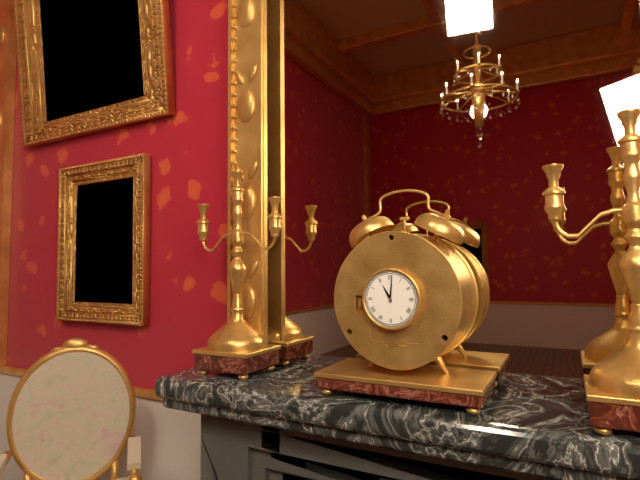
11:01
